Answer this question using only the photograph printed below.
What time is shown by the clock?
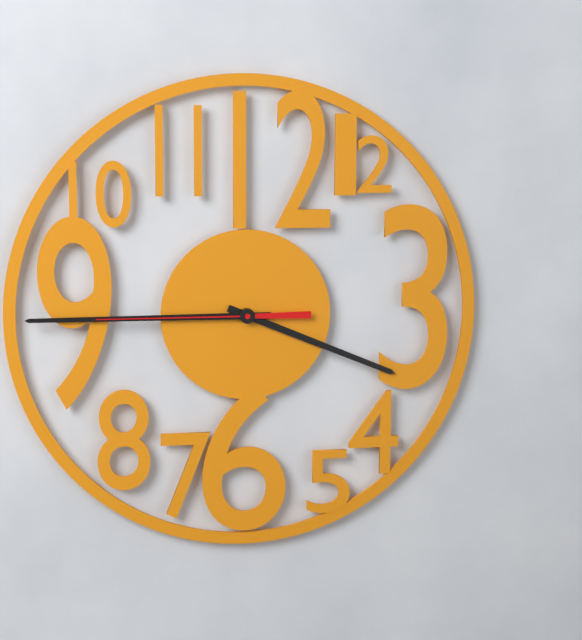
3:45:45
